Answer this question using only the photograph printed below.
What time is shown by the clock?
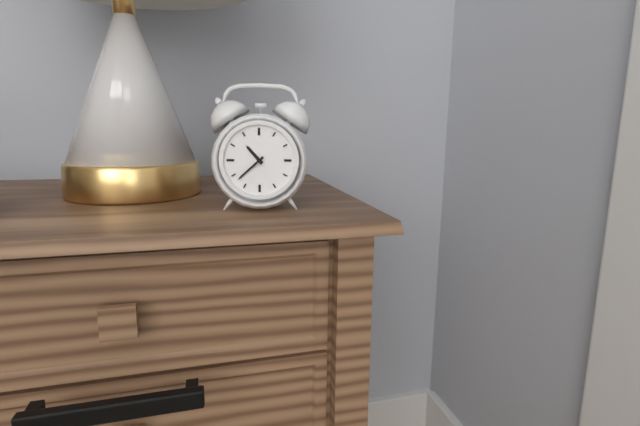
10:38
